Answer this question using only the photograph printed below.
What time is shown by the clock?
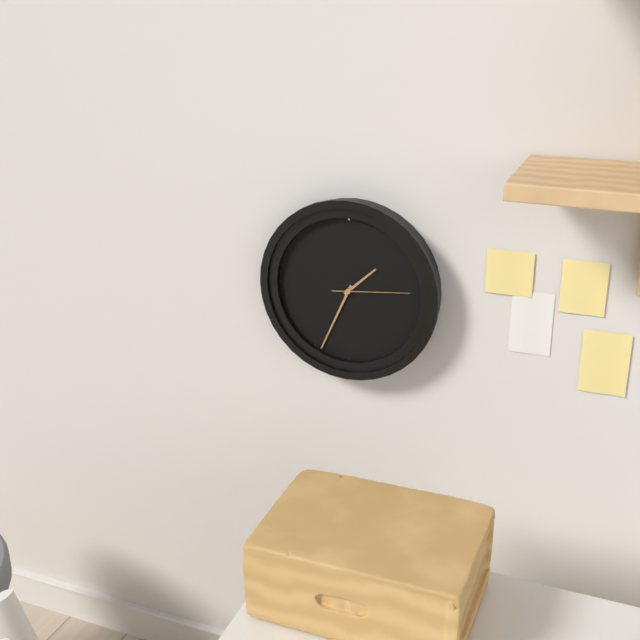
1:34:14
